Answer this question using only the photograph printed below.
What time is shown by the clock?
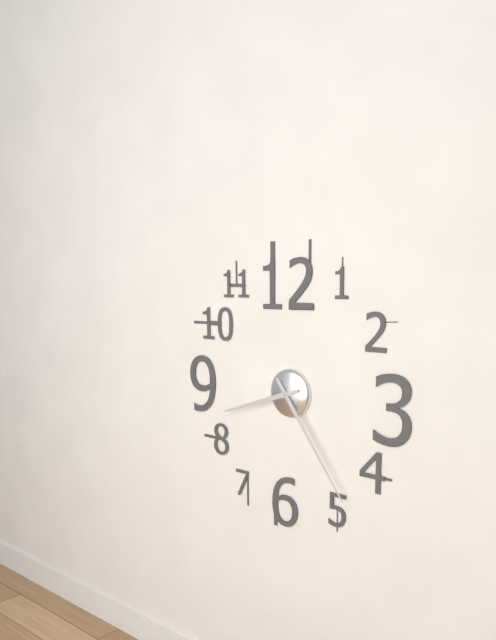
8:24
